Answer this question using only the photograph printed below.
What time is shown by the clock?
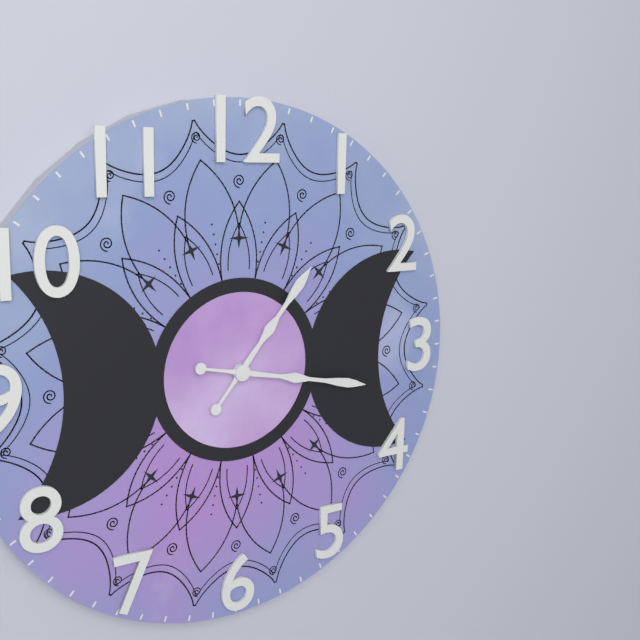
1:17
